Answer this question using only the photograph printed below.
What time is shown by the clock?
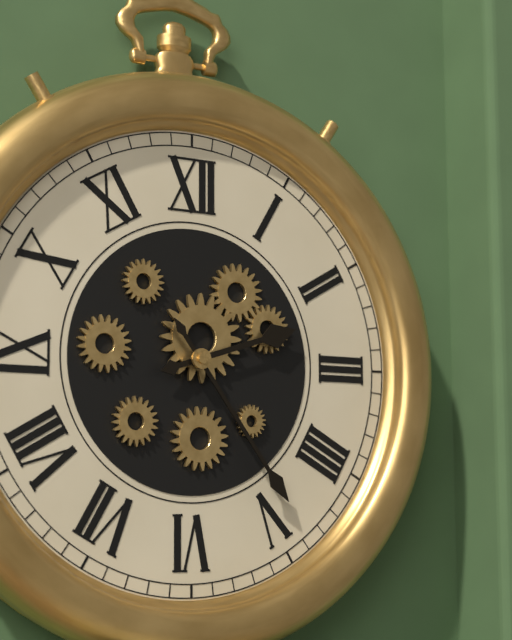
2:24
